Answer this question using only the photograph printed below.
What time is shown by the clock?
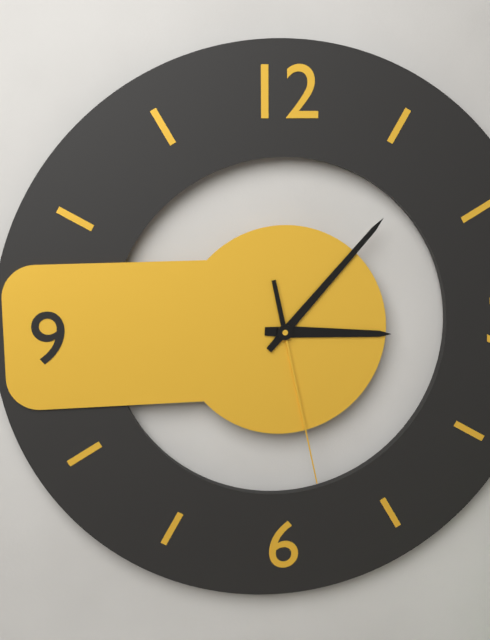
3:07:28
